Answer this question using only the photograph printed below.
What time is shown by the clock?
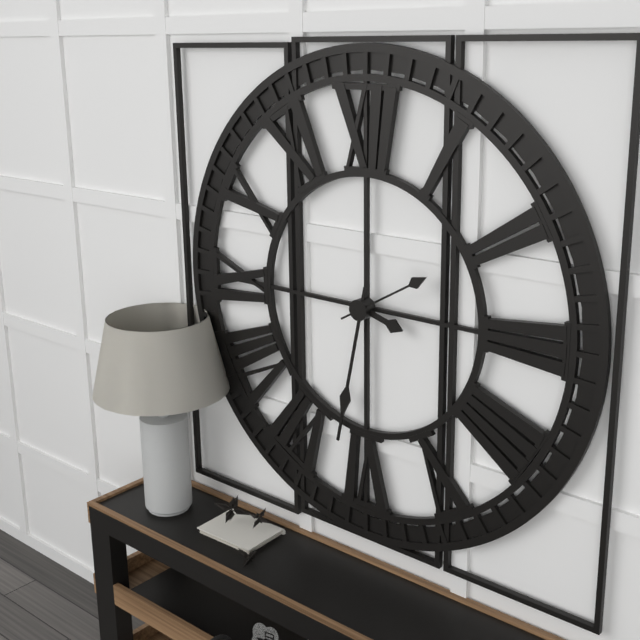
3:32:10
